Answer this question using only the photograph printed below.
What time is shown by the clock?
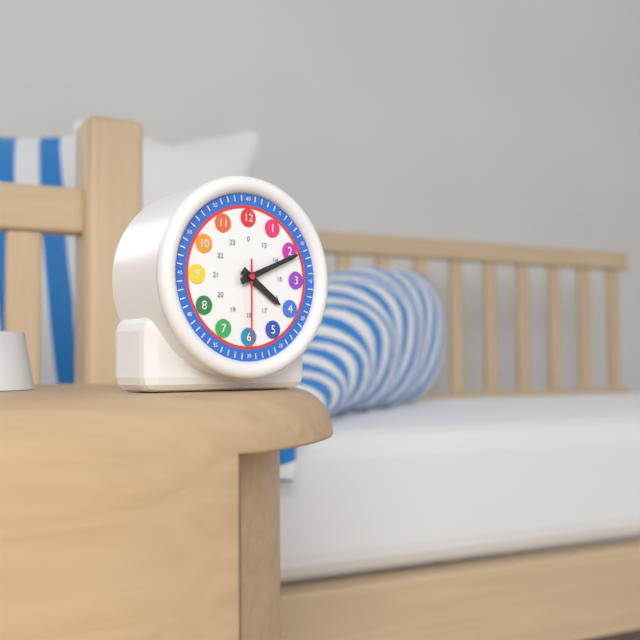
4:11:30
